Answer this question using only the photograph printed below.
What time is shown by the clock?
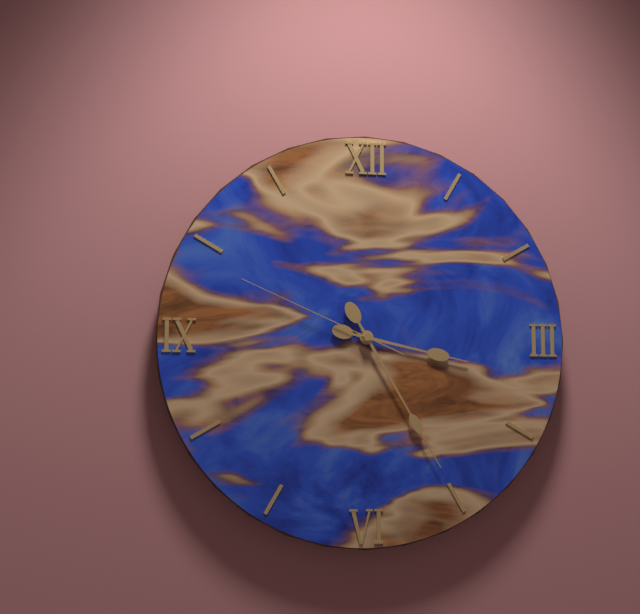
3:25:49
